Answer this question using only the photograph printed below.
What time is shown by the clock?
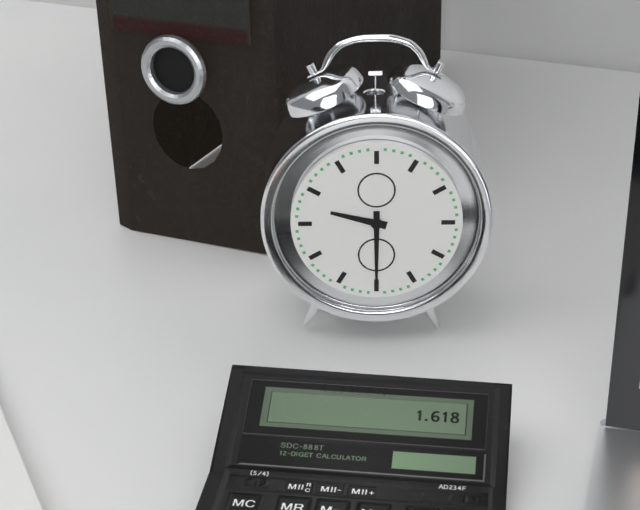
9:30
